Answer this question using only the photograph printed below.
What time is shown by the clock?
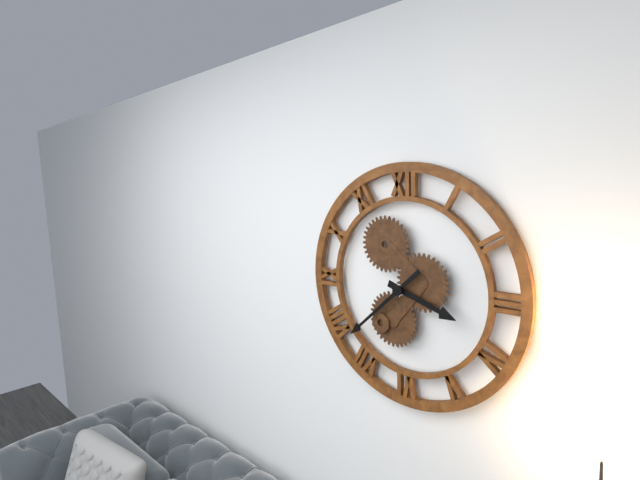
3:38
